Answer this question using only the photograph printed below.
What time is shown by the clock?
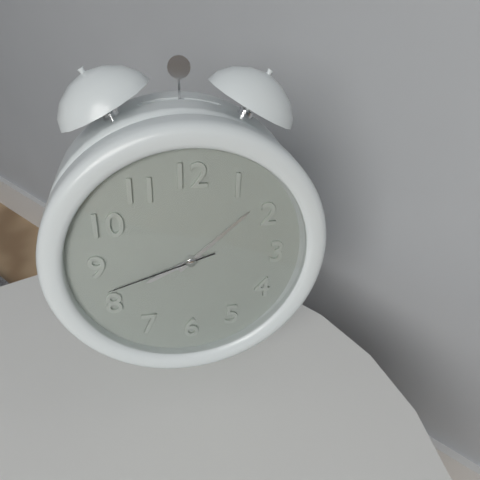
8:08:42
